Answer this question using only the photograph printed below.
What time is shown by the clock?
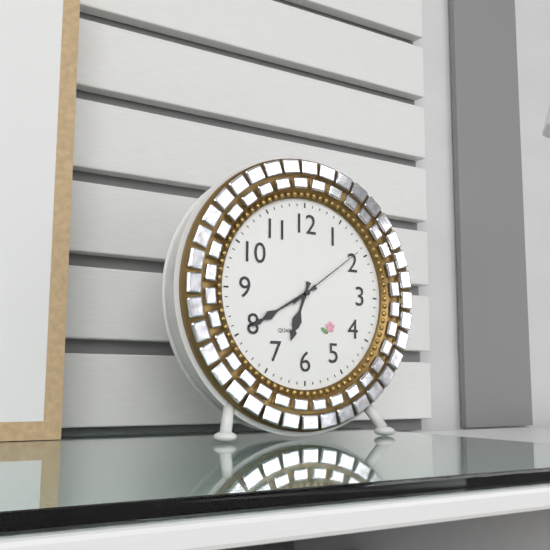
6:40:09
